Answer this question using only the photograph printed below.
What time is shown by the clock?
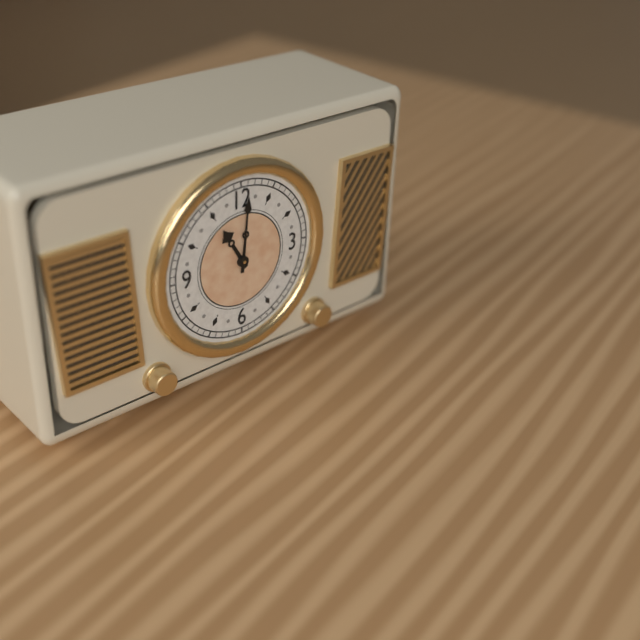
11:01
